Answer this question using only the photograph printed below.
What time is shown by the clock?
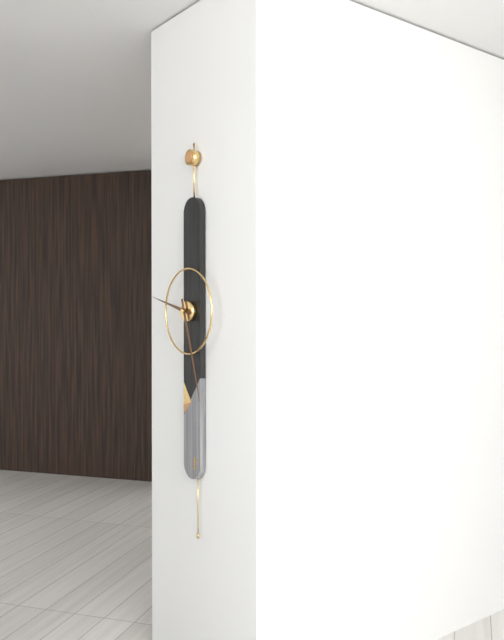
9:27
